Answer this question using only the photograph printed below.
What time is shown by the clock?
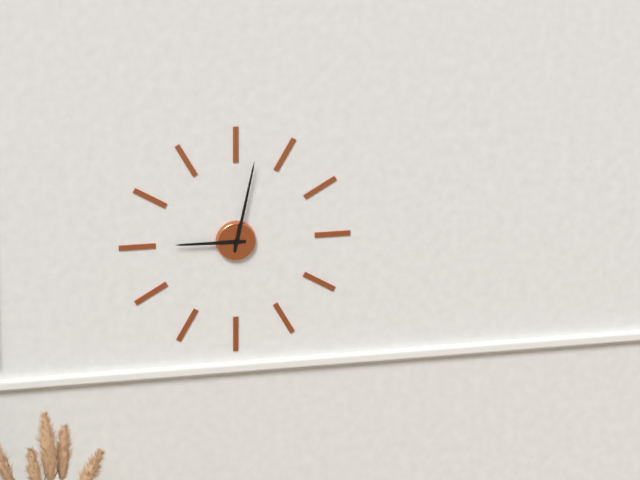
9:02
